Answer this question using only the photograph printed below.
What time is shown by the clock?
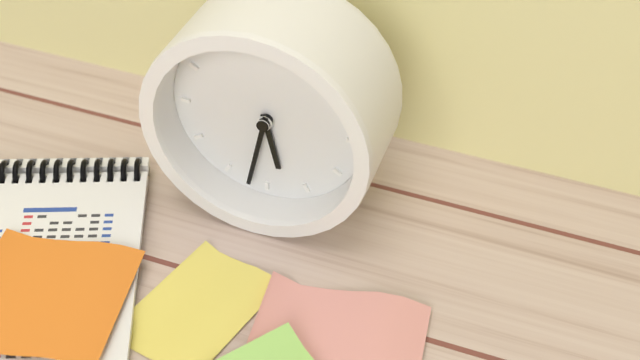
5:32
